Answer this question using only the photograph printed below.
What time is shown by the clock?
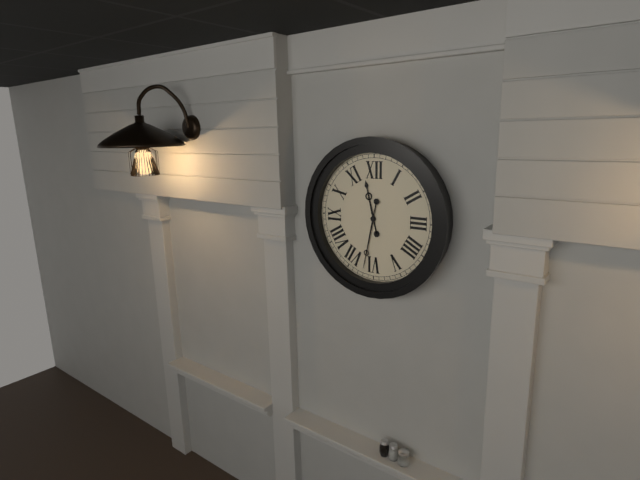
11:32
